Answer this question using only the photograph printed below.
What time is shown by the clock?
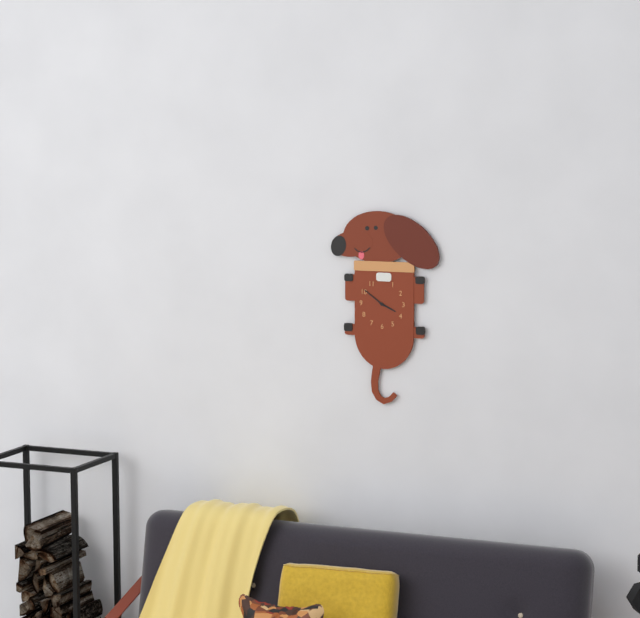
3:51
